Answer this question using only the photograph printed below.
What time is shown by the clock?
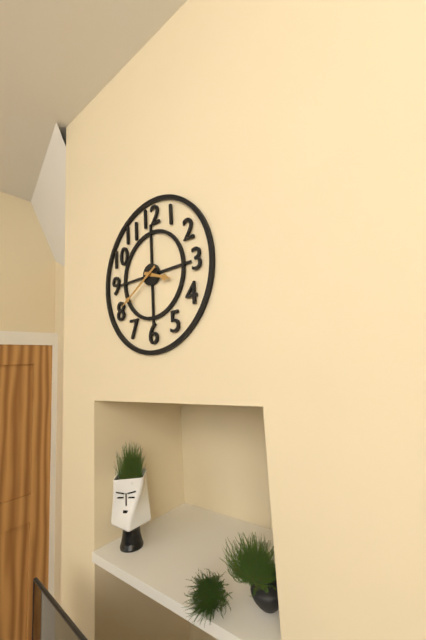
3:40
